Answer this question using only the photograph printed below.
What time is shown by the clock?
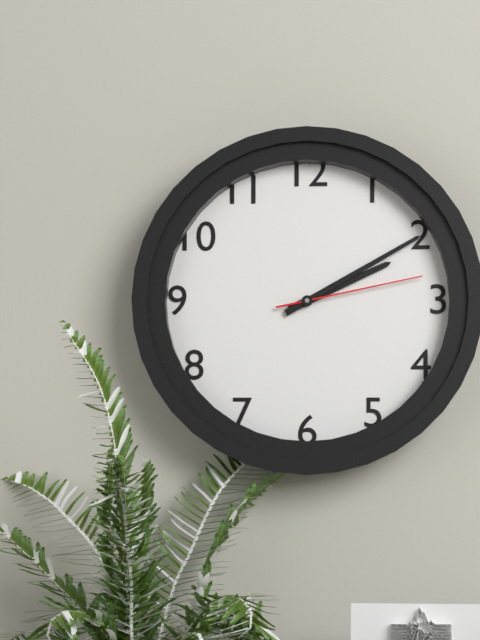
2:10:13
